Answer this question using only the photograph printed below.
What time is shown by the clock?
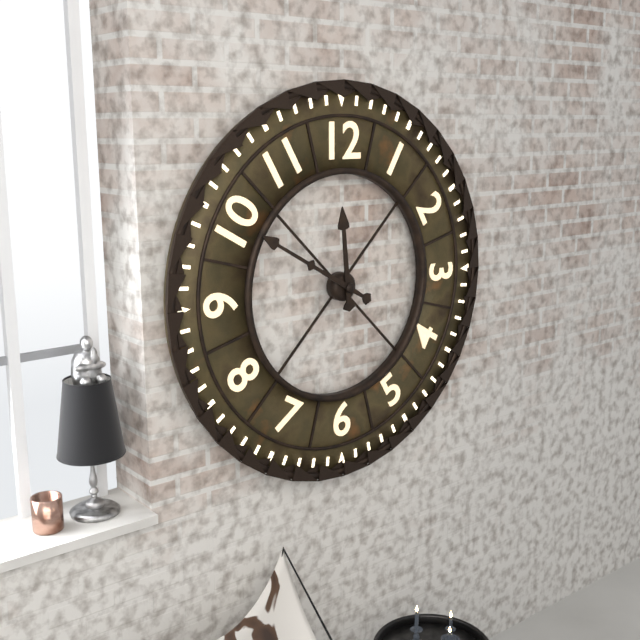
11:50
